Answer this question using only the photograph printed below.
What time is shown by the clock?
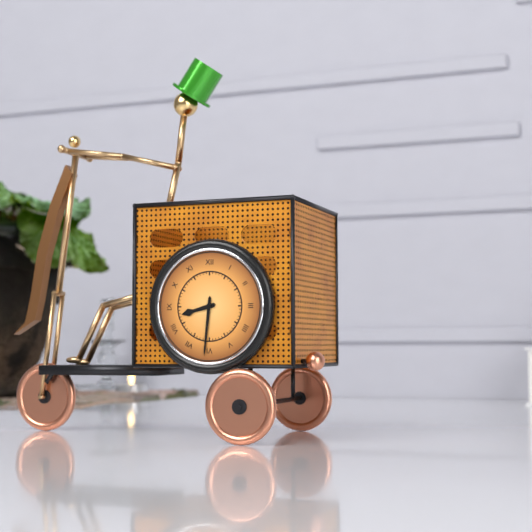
8:31
